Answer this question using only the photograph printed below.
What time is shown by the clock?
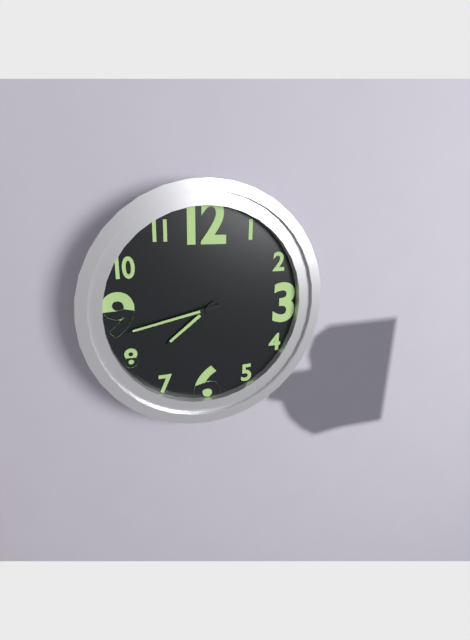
7:43
